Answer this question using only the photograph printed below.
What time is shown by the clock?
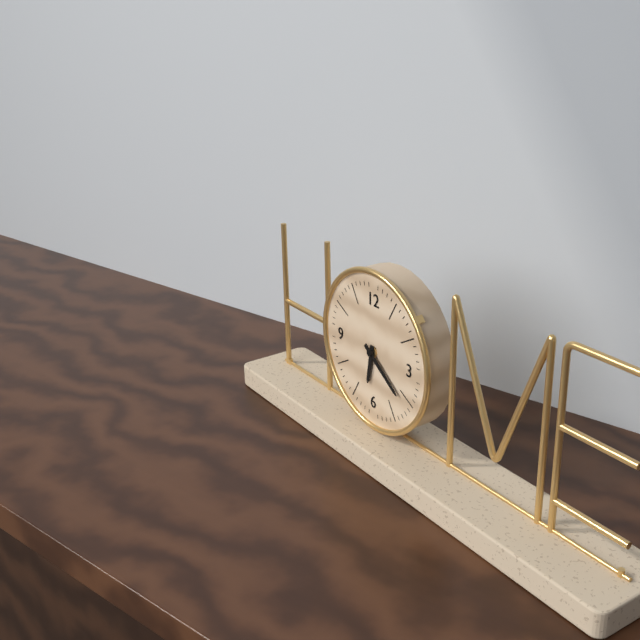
6:21
